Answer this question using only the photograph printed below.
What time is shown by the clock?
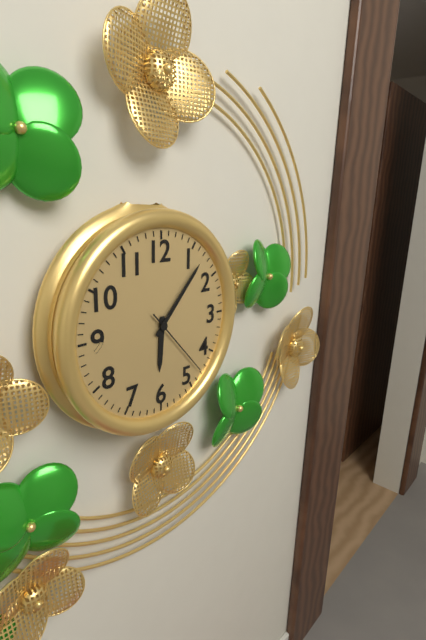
6:07:23
